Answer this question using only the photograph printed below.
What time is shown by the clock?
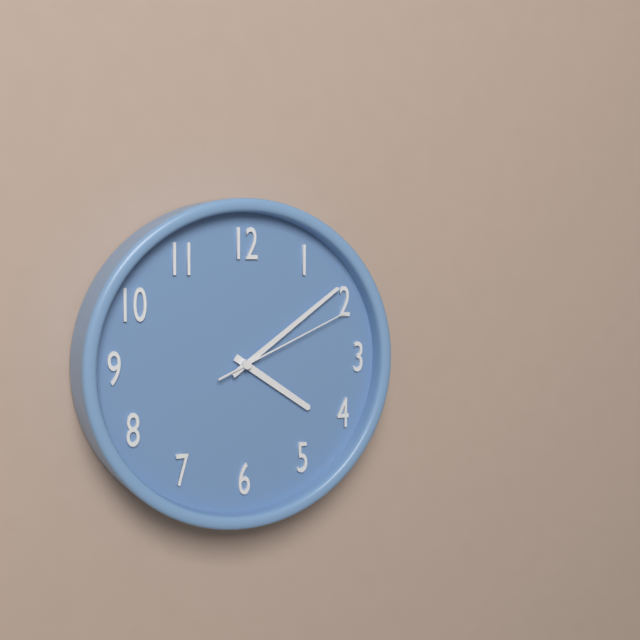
4:09:11
